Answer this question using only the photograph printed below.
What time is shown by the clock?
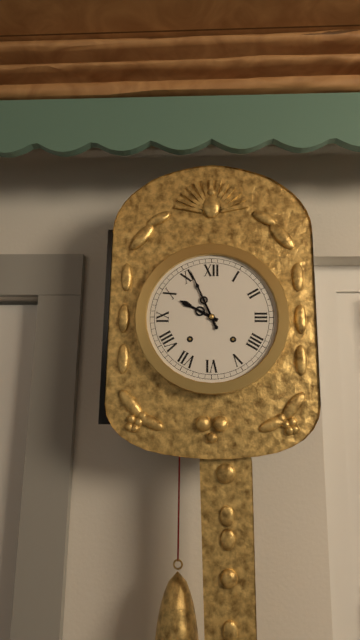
9:56
